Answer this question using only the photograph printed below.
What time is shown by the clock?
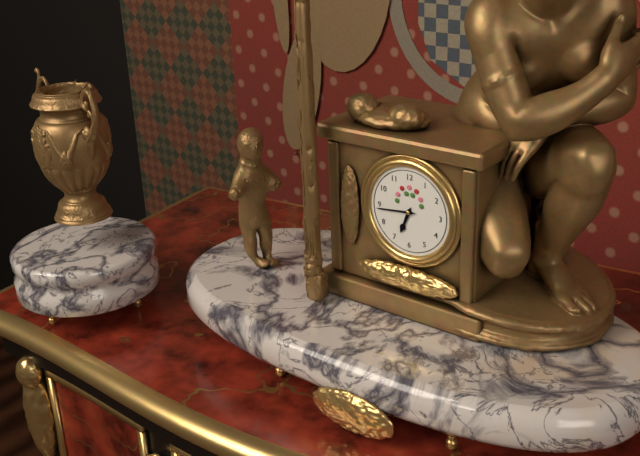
6:44
